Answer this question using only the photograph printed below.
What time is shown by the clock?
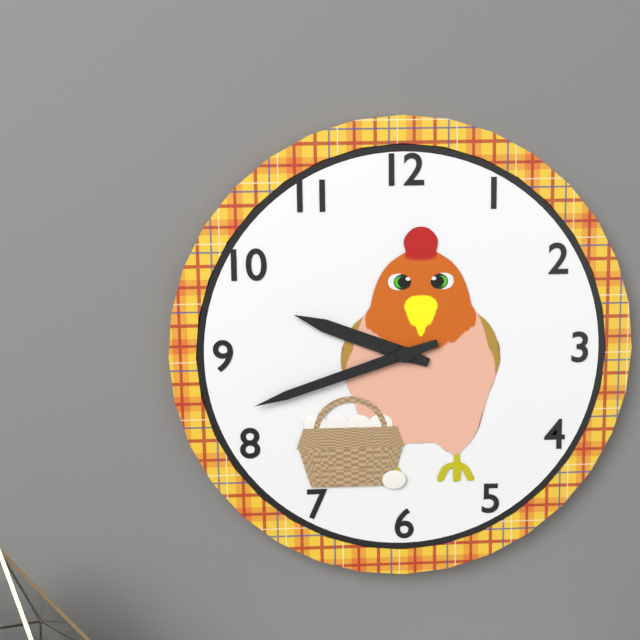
9:42
